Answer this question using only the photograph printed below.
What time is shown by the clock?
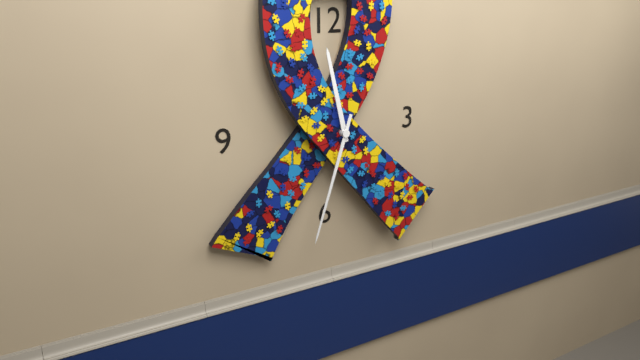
11:33
